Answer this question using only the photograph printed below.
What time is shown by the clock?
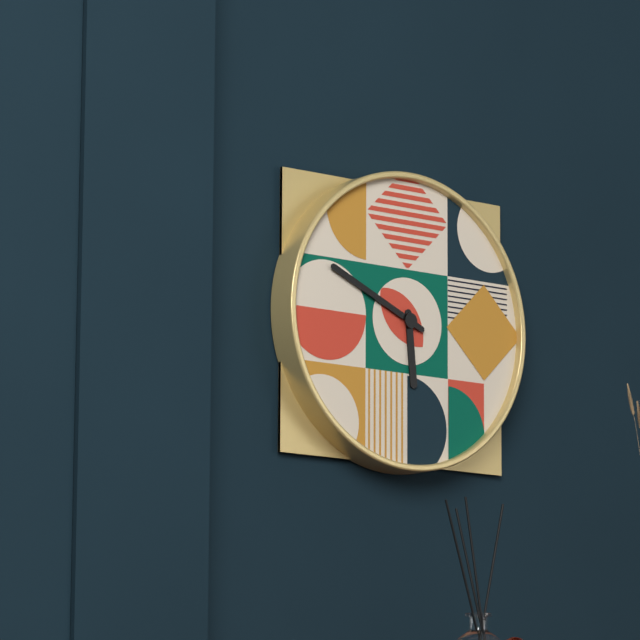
5:49
